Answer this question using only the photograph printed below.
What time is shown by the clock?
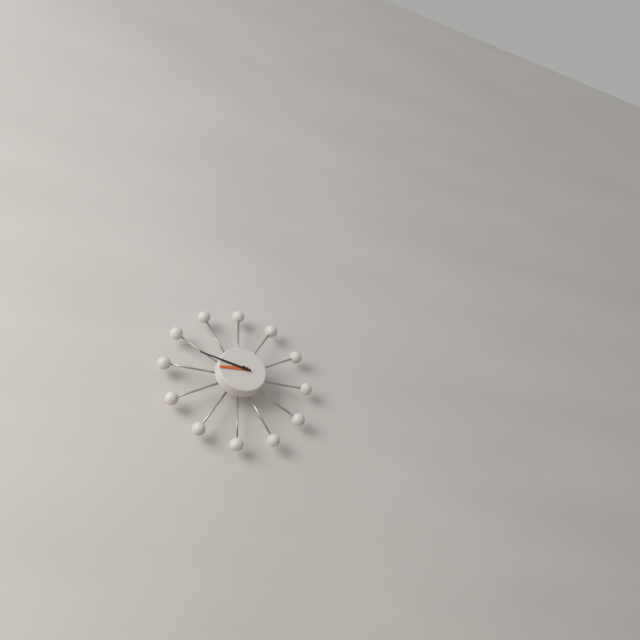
8:47
